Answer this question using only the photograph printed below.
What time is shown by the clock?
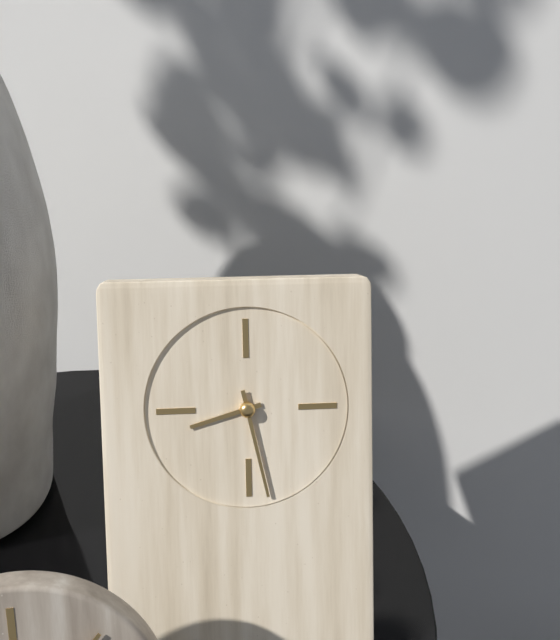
8:28
